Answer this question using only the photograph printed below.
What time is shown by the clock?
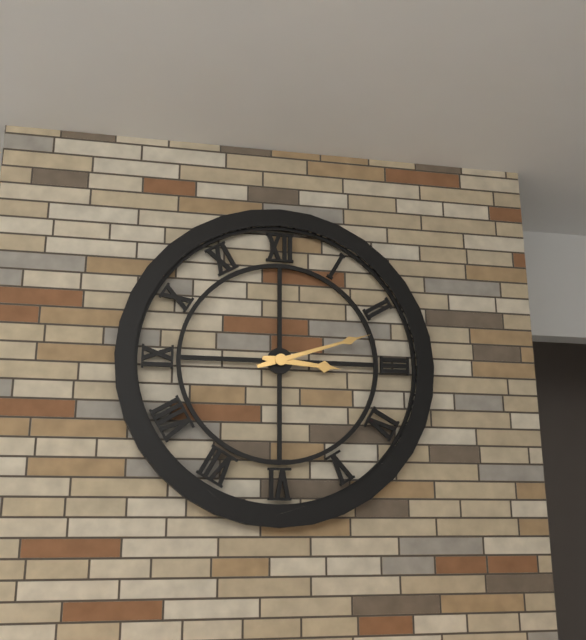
3:12
